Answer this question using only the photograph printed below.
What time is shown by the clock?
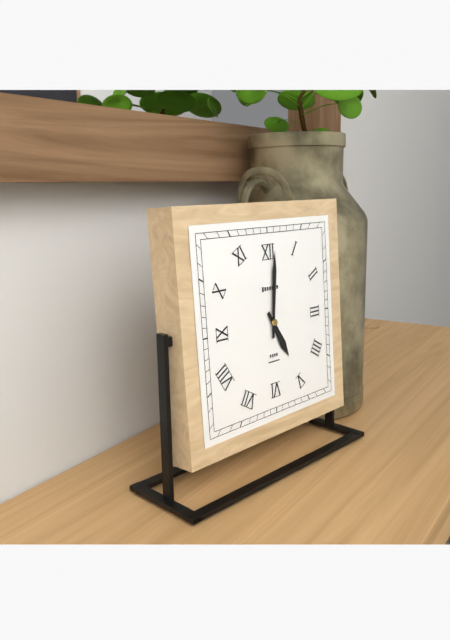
5:01
